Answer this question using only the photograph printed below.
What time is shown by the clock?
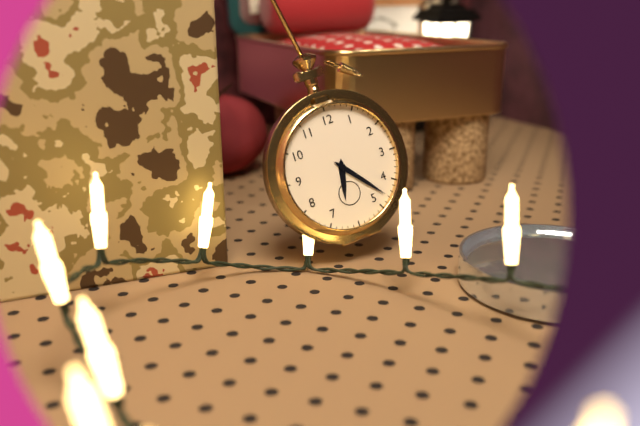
6:23
